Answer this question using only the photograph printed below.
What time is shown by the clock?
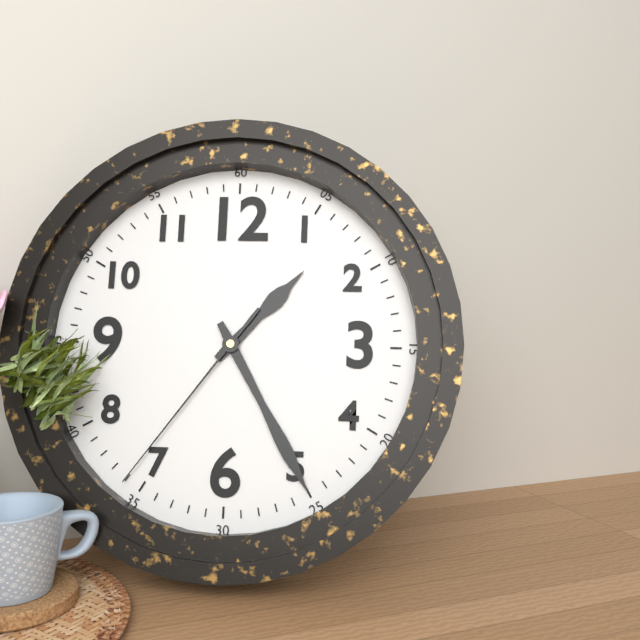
1:25:36
